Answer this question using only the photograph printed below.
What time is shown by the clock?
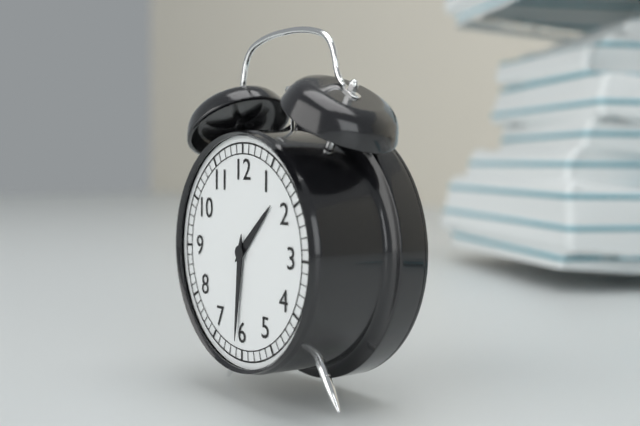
1:31
